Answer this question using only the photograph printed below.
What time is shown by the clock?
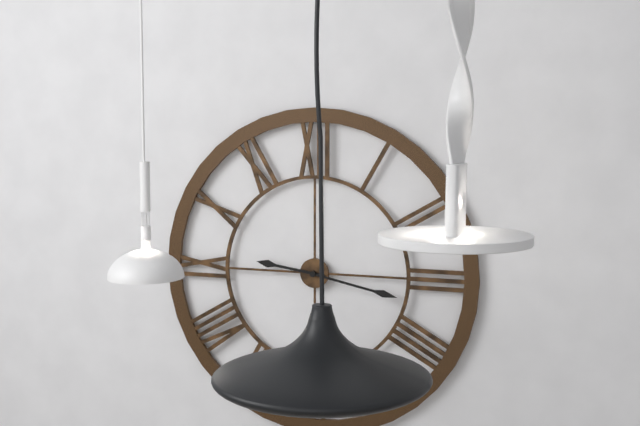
9:17
